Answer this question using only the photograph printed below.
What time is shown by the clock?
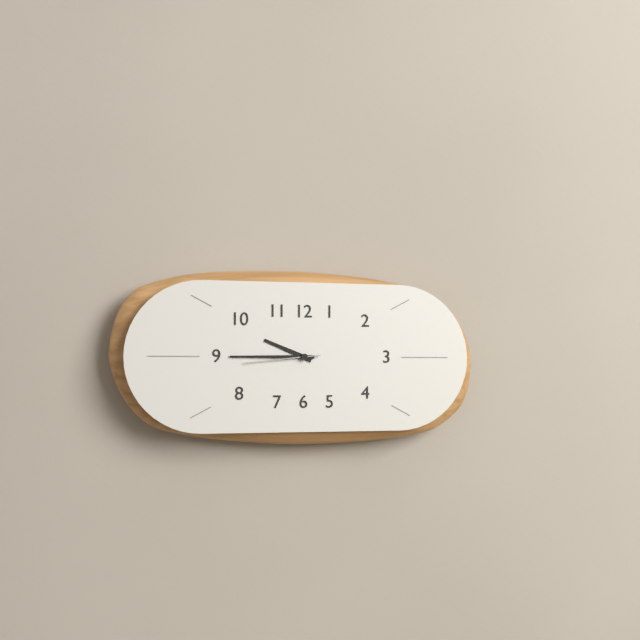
9:45:44
